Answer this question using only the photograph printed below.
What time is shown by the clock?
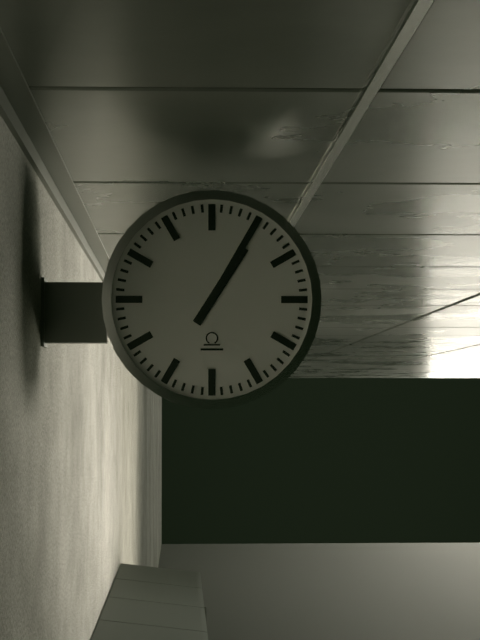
1:05
